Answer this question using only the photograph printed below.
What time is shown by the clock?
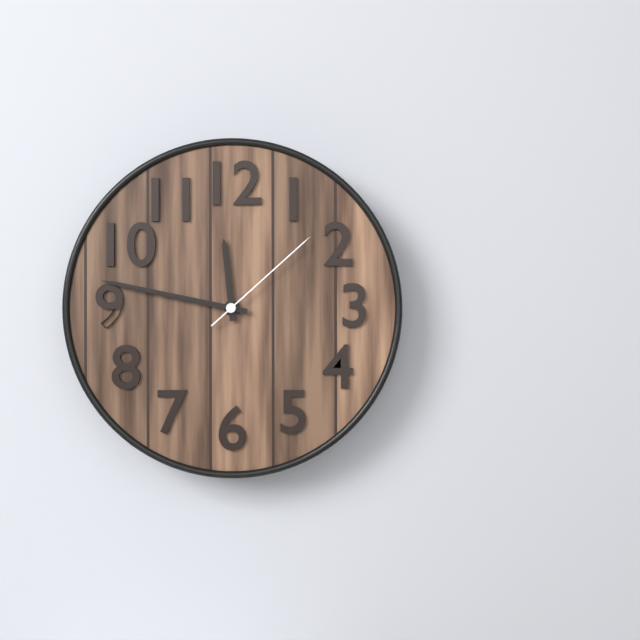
11:47:08
